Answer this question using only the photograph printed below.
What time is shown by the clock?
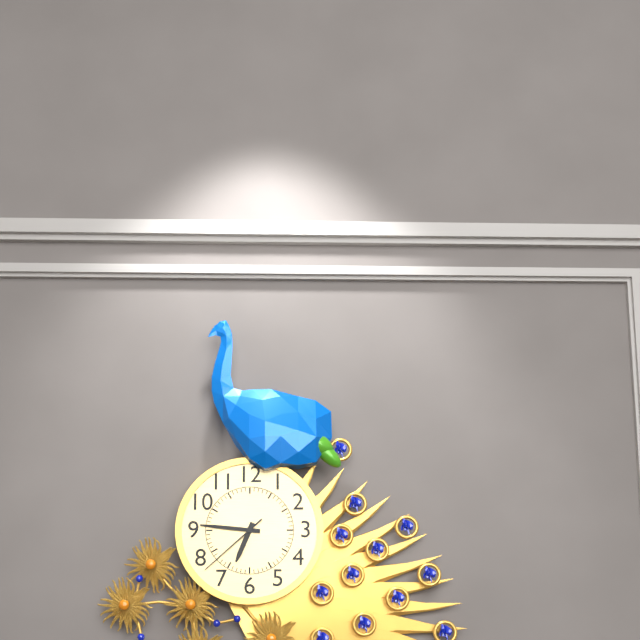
6:46:38
